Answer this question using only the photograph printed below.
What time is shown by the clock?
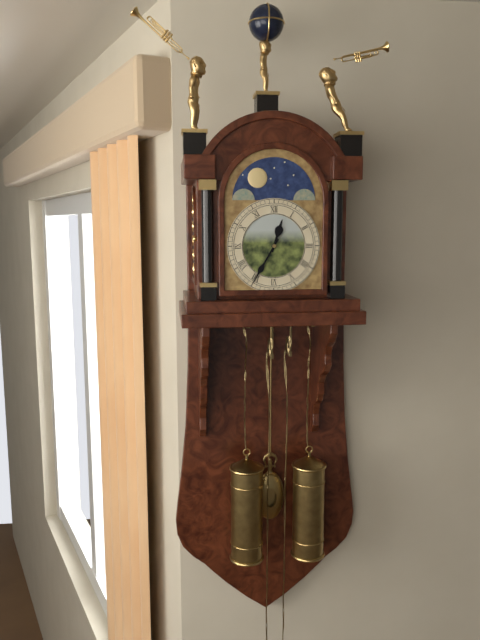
12:35
